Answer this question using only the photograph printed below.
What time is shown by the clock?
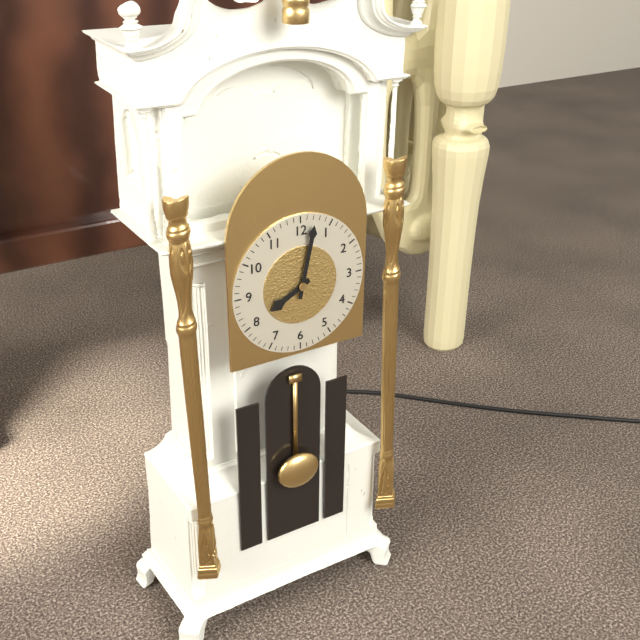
8:02
